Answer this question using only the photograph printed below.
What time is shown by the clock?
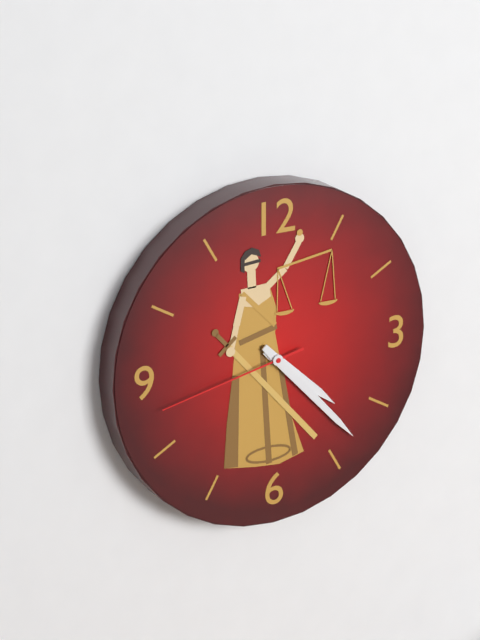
4:23:43
